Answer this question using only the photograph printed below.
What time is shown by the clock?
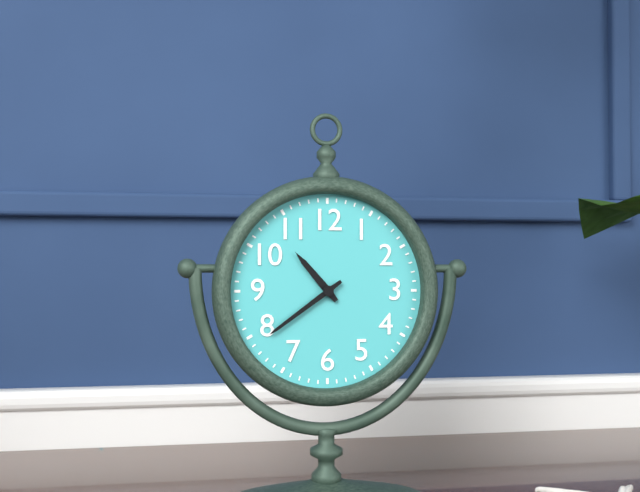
10:39
